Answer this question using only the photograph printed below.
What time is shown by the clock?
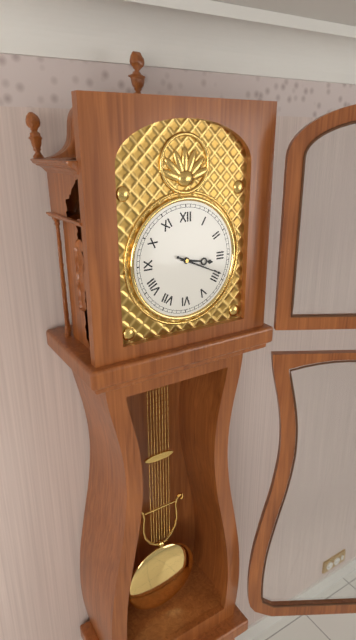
3:19
